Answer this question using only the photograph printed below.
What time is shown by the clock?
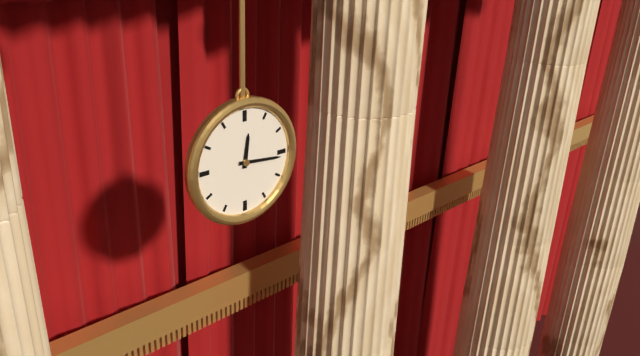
12:16
